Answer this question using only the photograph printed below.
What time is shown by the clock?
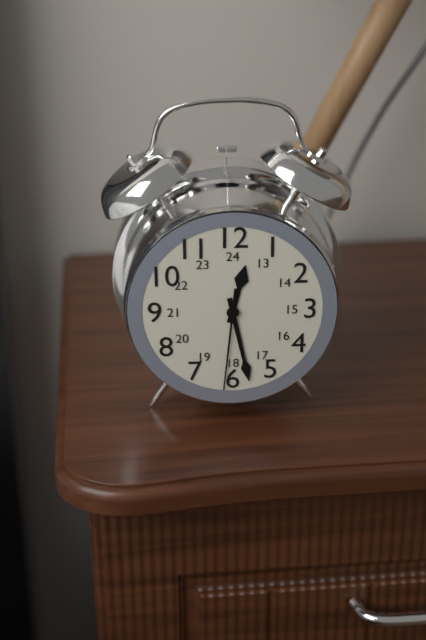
12:28:31
